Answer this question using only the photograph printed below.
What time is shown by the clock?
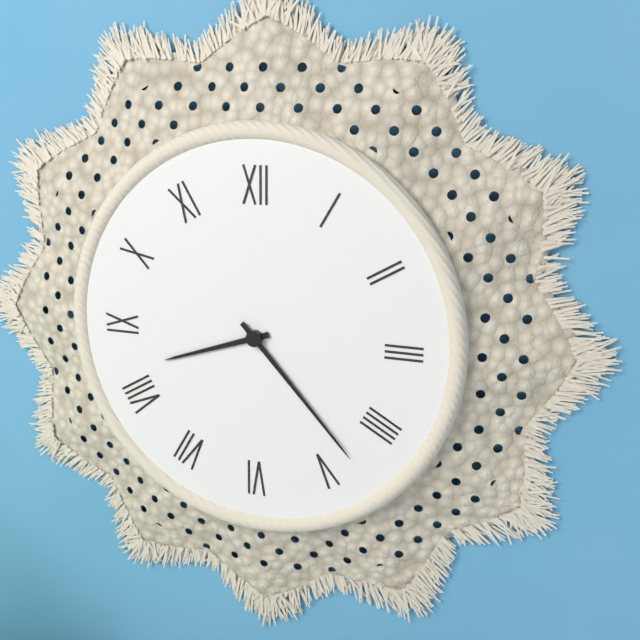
8:23
